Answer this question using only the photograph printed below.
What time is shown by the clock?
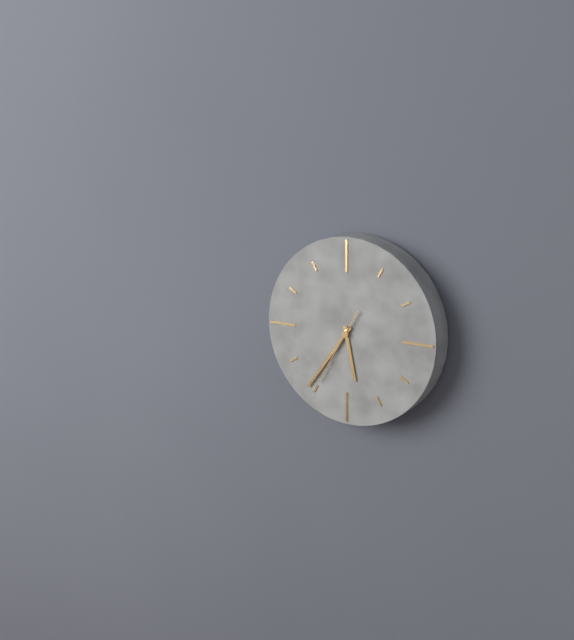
5:36:35
